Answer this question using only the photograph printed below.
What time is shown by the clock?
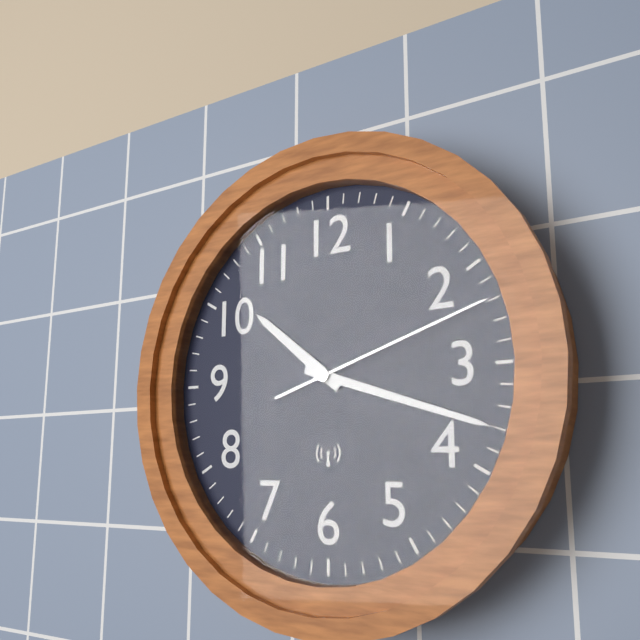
10:18:12
